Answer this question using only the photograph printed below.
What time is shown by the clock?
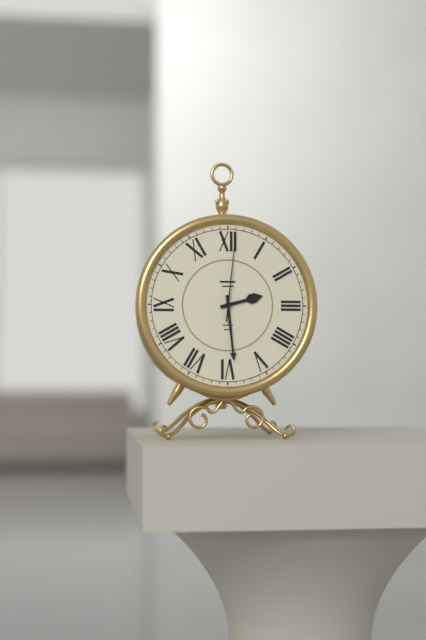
2:29:01
